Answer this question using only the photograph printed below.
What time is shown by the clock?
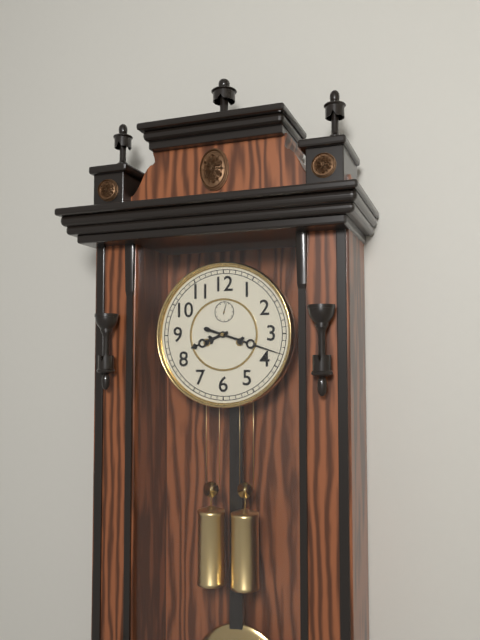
8:18
